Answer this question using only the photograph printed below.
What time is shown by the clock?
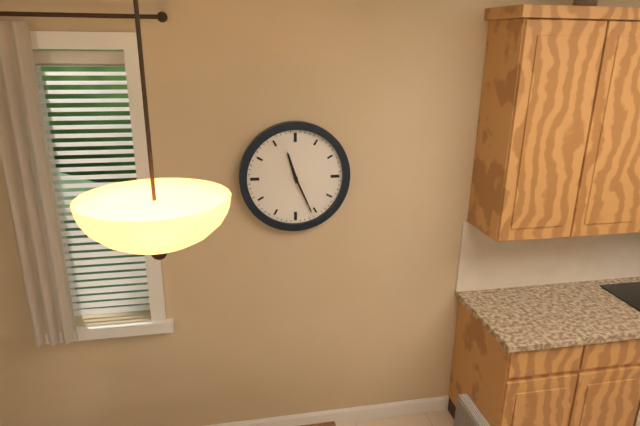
11:26
